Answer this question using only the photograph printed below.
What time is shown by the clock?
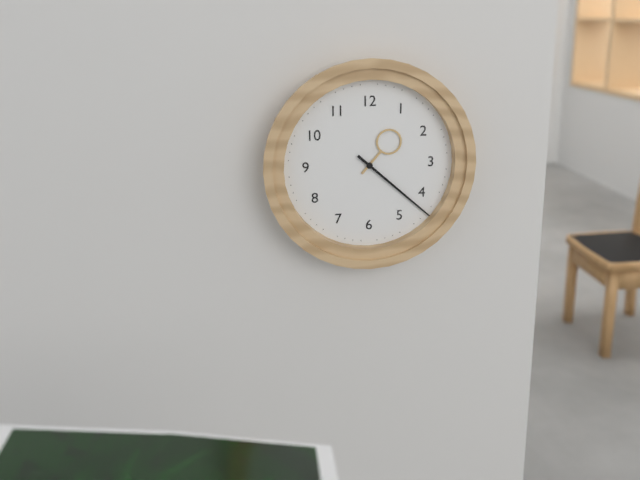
1:22
